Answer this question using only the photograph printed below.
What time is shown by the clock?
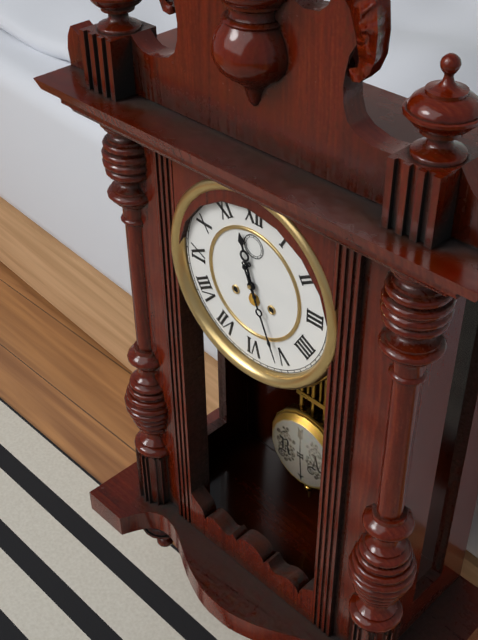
11:26
